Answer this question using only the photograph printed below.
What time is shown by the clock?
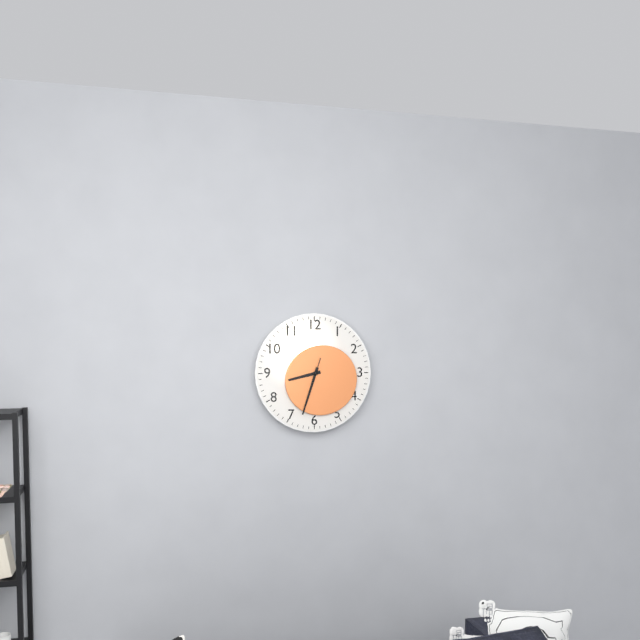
8:33:33
